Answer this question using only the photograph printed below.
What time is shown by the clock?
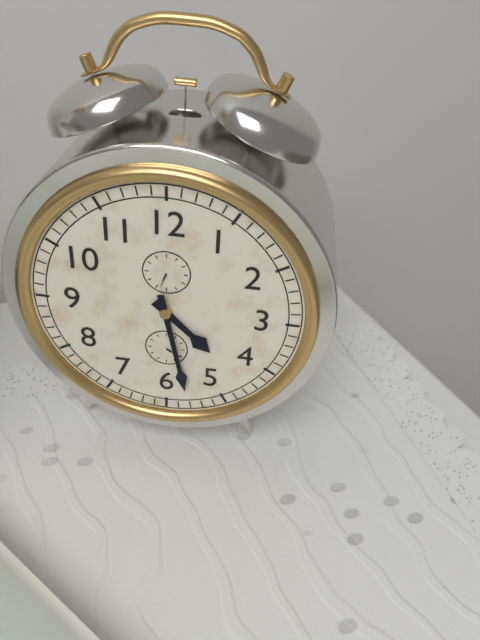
4:28
